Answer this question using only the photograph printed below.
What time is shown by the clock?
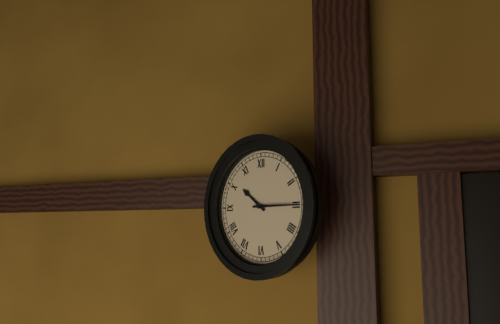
10:15
